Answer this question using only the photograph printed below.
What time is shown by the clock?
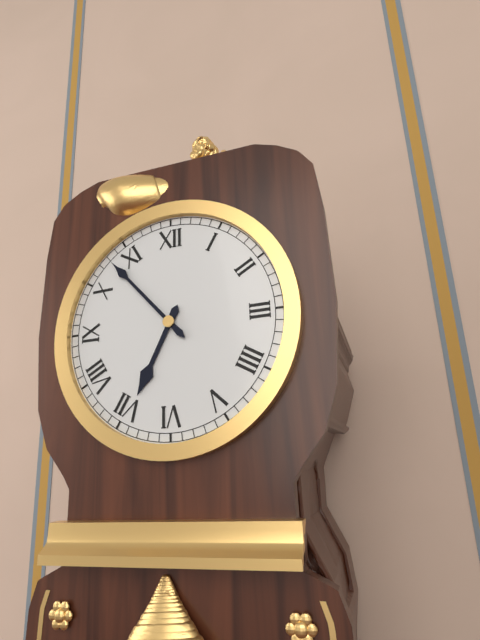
6:53
